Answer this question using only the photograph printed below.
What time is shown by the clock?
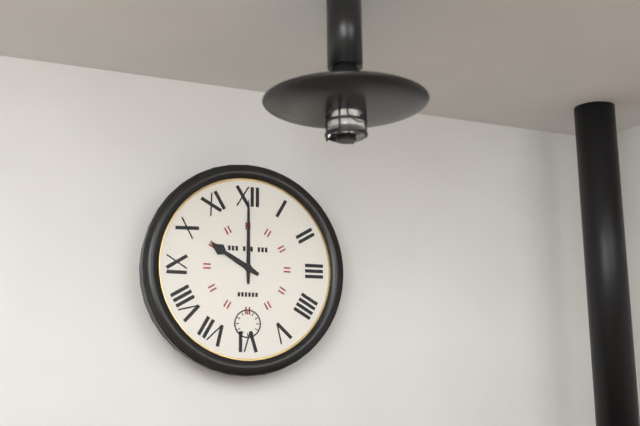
10:00
